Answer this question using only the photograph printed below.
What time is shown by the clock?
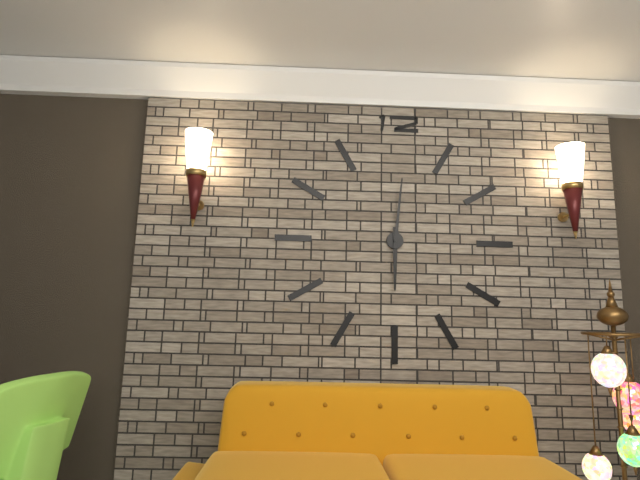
6:01
